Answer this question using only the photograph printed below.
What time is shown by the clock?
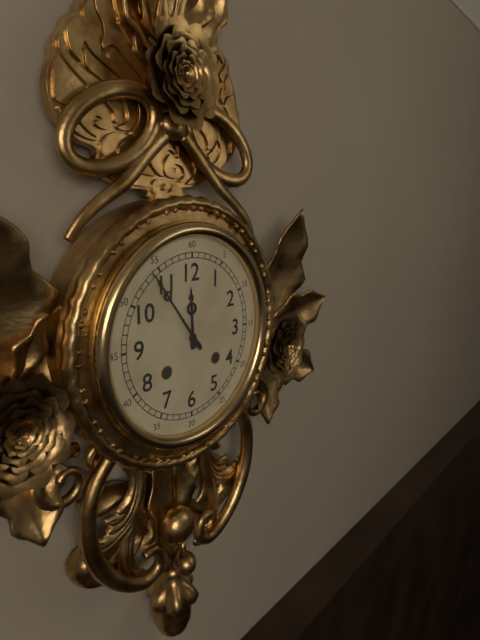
11:54
